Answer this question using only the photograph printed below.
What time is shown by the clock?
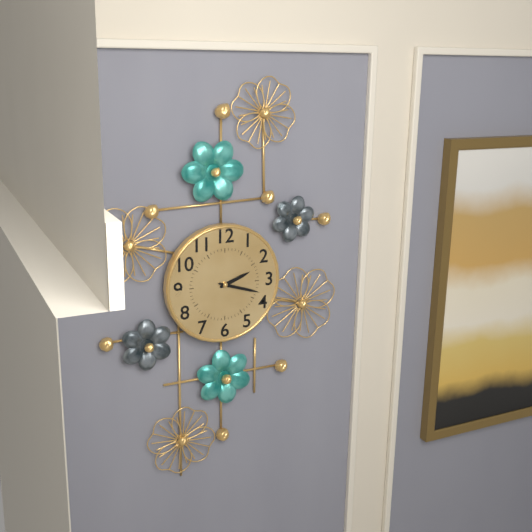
2:18
